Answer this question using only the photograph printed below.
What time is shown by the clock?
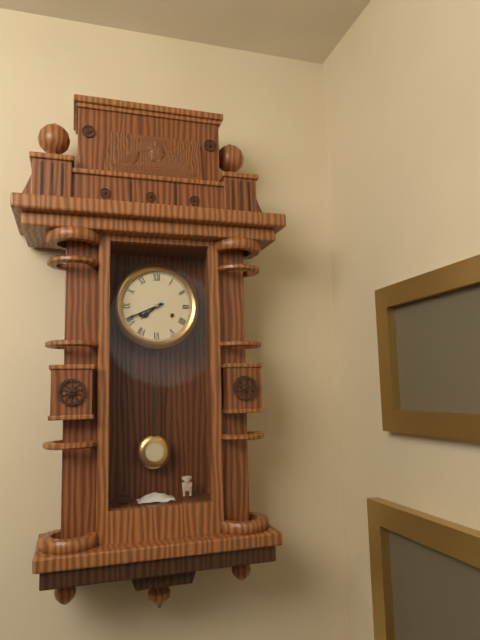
7:41
